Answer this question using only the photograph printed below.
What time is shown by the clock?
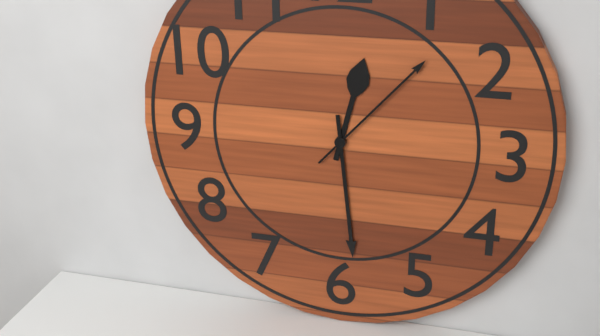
12:29:07
